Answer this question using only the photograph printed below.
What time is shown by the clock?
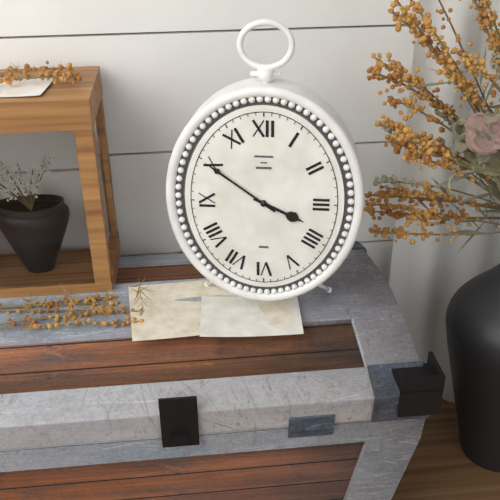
3:51
